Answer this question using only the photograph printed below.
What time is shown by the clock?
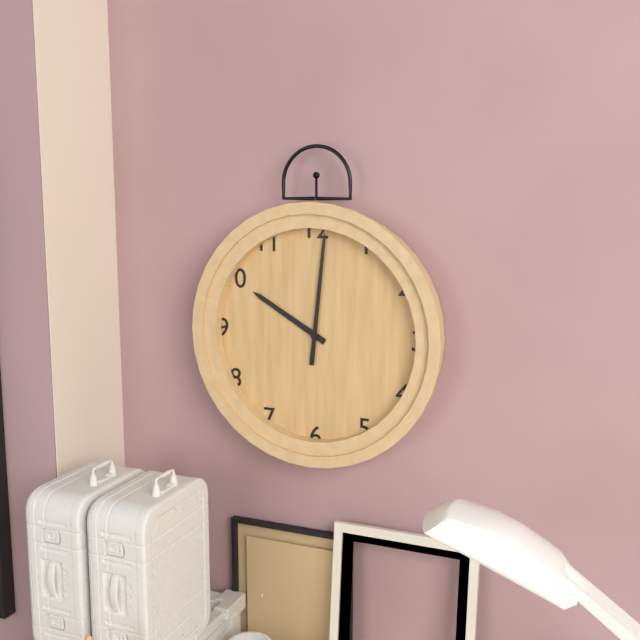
10:01
